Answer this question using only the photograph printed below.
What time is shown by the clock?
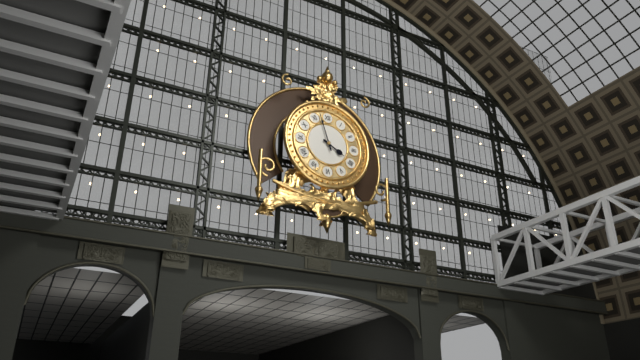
3:57
